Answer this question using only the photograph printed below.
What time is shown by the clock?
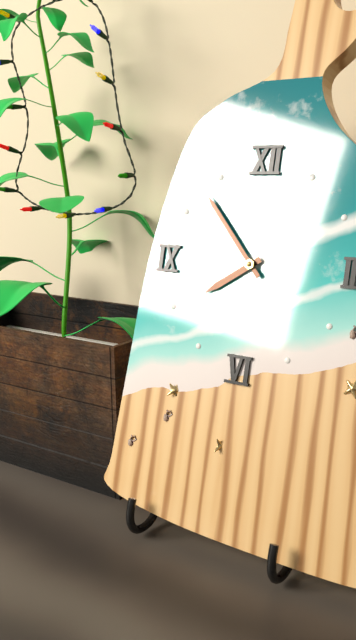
7:53
